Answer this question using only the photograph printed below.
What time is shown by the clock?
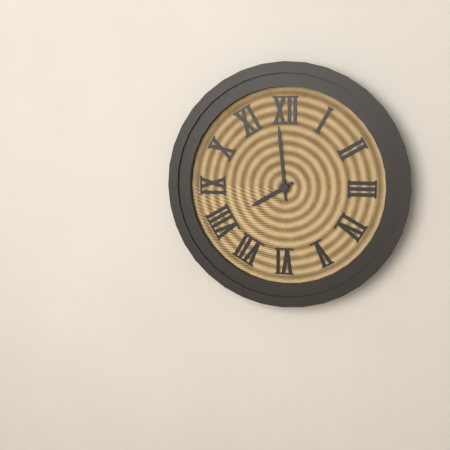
7:59
